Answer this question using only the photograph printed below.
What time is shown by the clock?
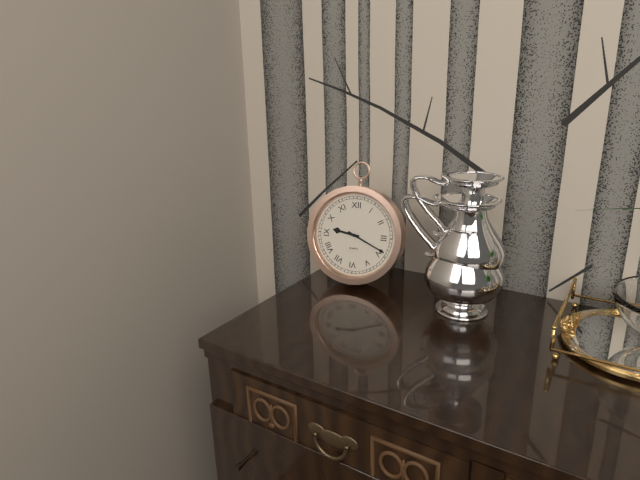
9:19
